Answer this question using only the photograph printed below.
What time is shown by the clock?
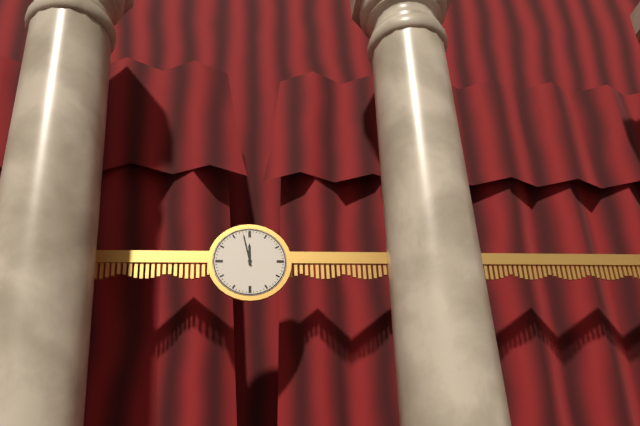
11:58
